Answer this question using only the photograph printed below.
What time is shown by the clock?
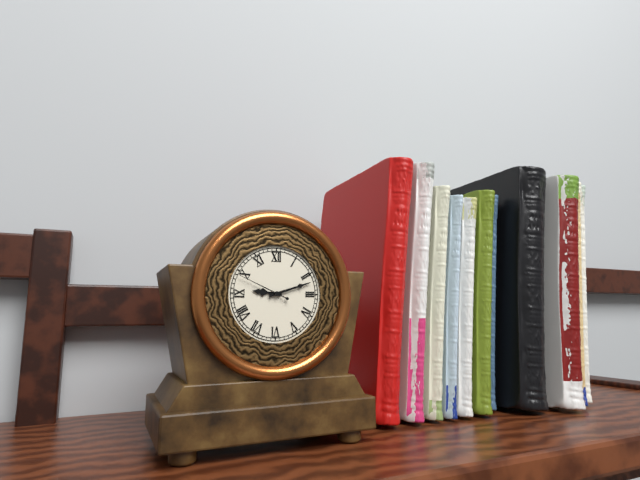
9:12:49
